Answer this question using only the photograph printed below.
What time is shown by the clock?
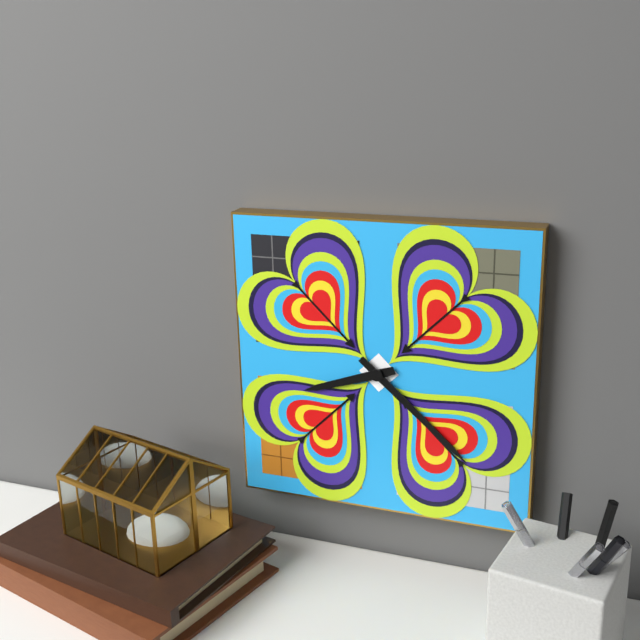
8:22
